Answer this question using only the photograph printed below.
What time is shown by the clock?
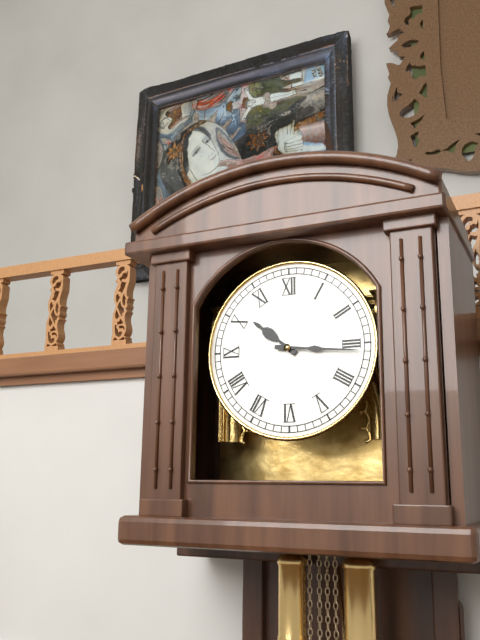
10:16
